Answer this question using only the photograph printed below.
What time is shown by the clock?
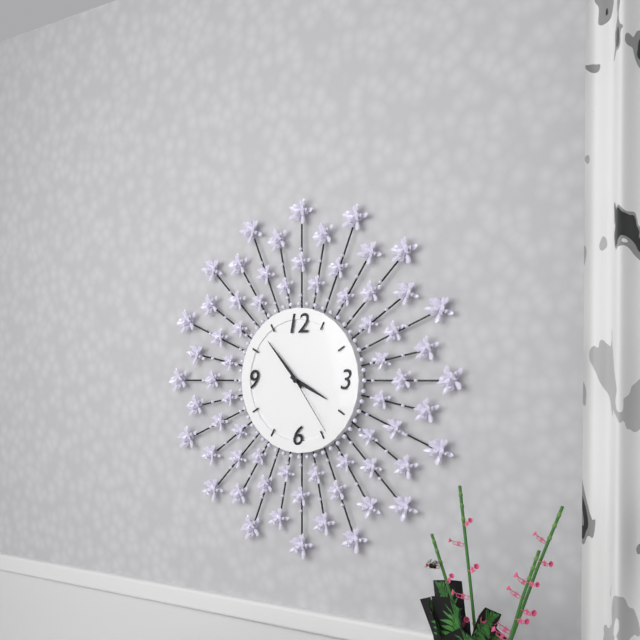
3:53:24
